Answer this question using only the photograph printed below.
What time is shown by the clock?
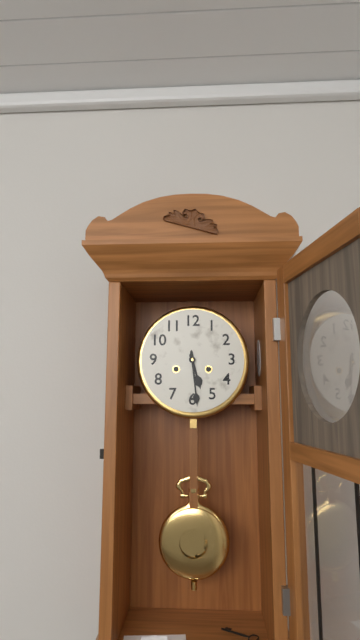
5:29
